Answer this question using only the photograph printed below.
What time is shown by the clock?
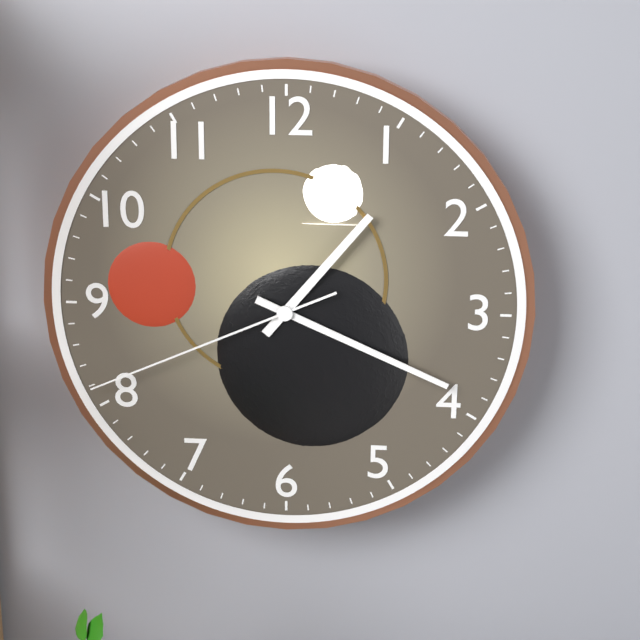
1:19:41
